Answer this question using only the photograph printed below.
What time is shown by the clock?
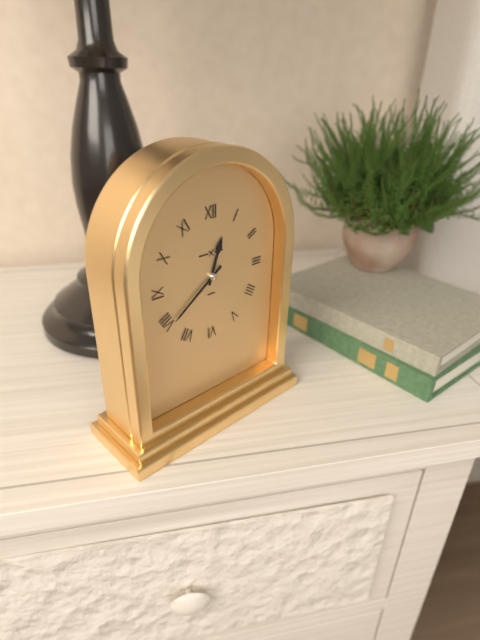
12:39
